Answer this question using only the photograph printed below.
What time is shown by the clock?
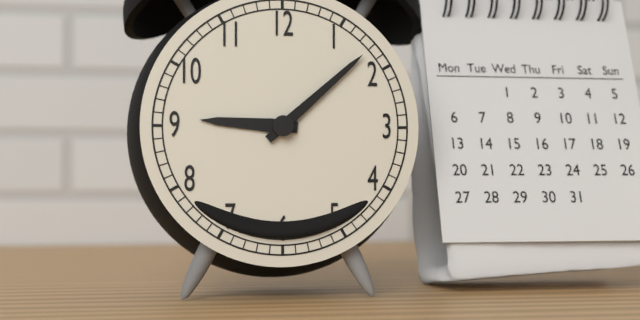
9:08
